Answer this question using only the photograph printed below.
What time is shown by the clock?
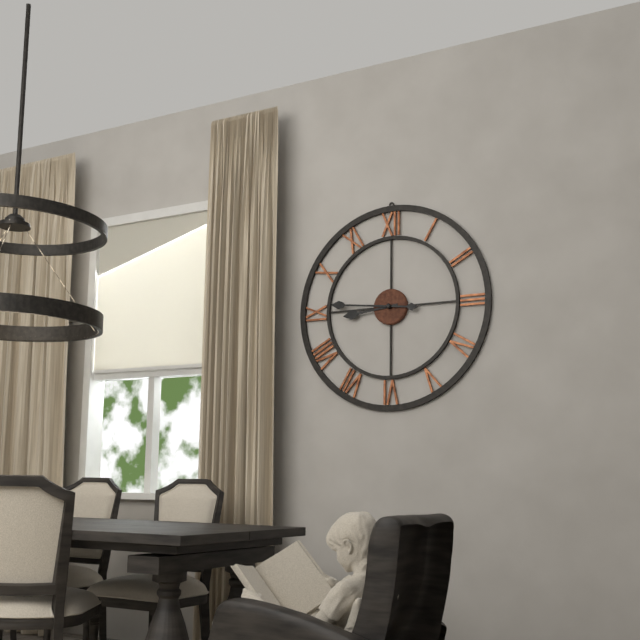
8:46
